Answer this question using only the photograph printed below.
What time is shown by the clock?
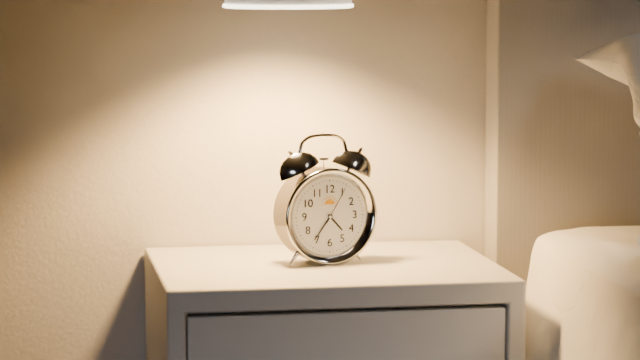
4:36
